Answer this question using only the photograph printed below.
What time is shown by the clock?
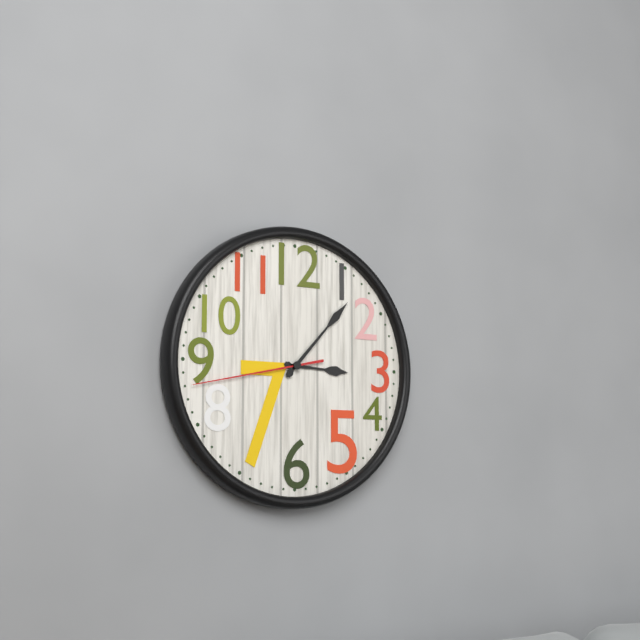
3:07:43
